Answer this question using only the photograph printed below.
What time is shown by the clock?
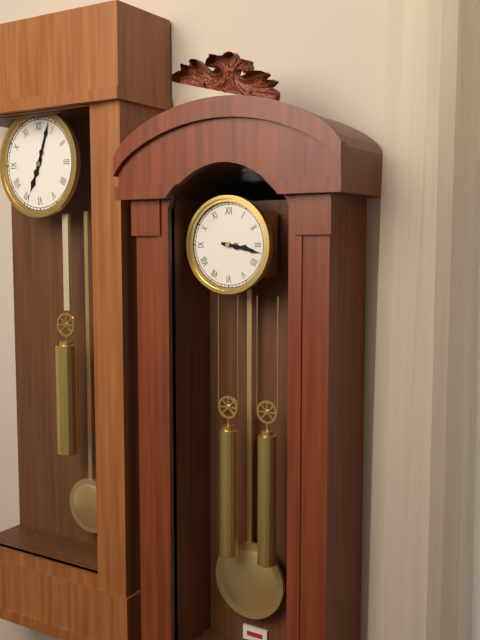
3:17
